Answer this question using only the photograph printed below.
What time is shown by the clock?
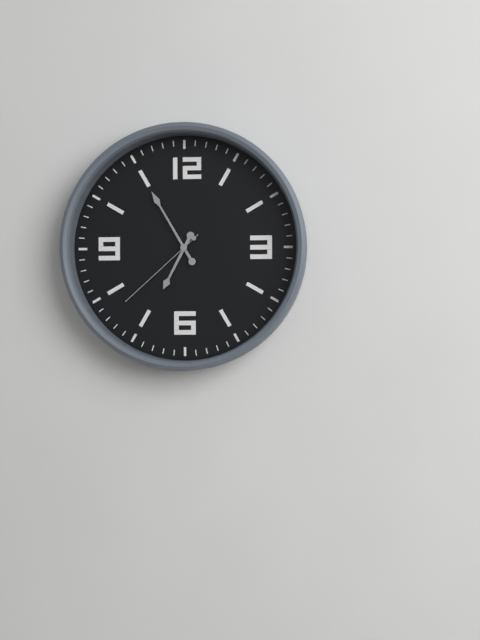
6:55:38
